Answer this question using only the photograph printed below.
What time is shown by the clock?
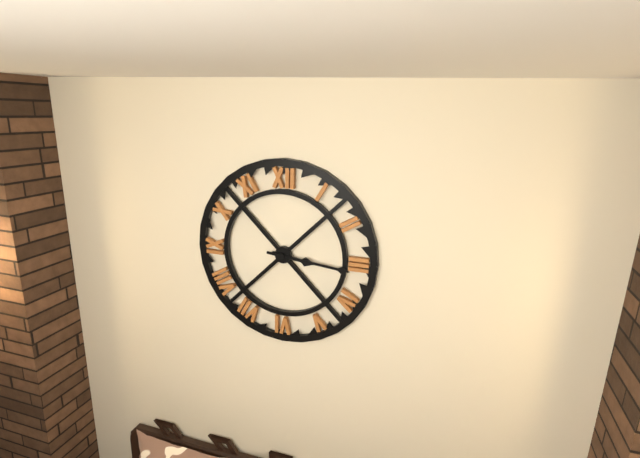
3:16
